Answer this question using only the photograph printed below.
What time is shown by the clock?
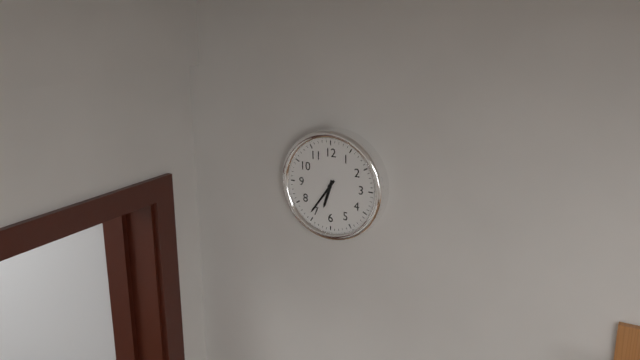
6:36
